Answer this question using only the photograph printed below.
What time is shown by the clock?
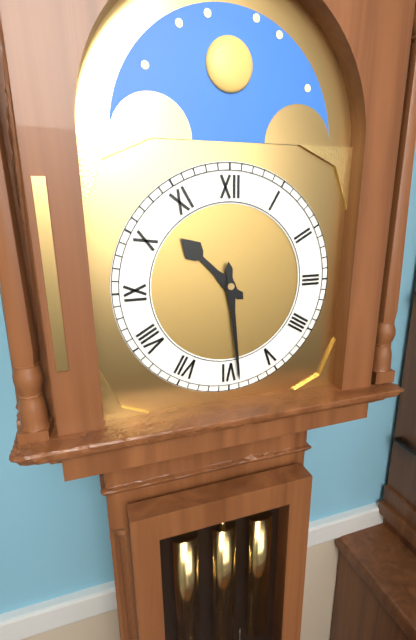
10:29
